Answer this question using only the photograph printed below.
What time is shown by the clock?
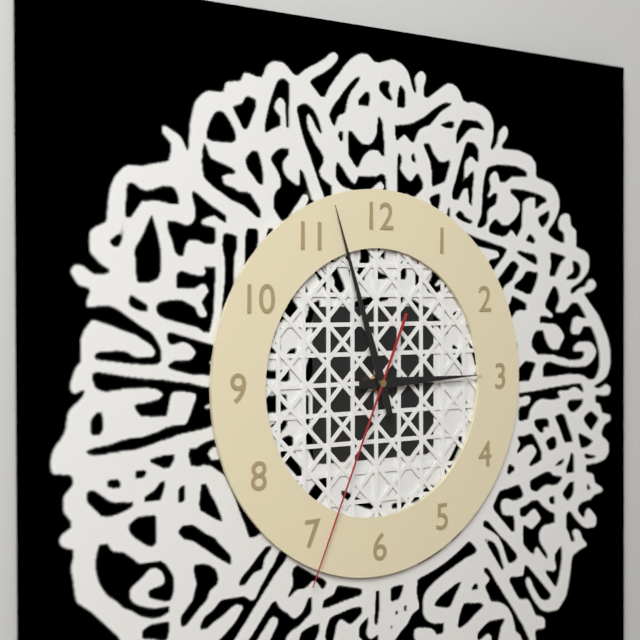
2:57:34
